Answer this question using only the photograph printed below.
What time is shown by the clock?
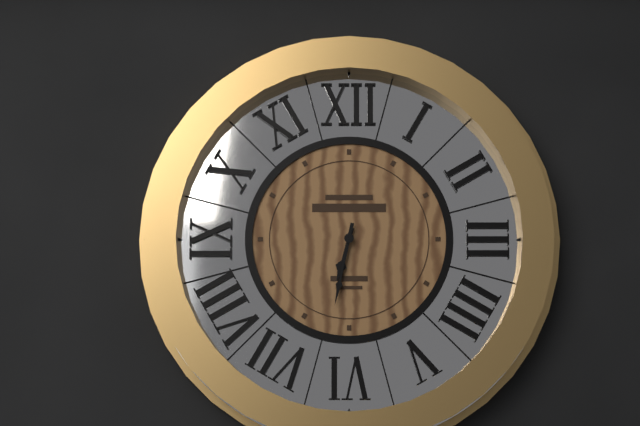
6:32
